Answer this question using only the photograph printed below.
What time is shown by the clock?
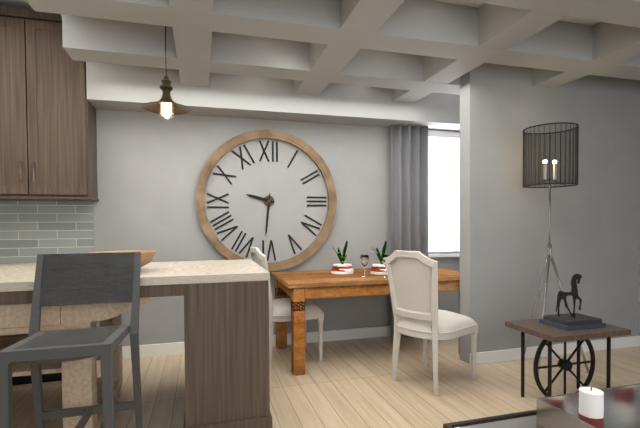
9:31
